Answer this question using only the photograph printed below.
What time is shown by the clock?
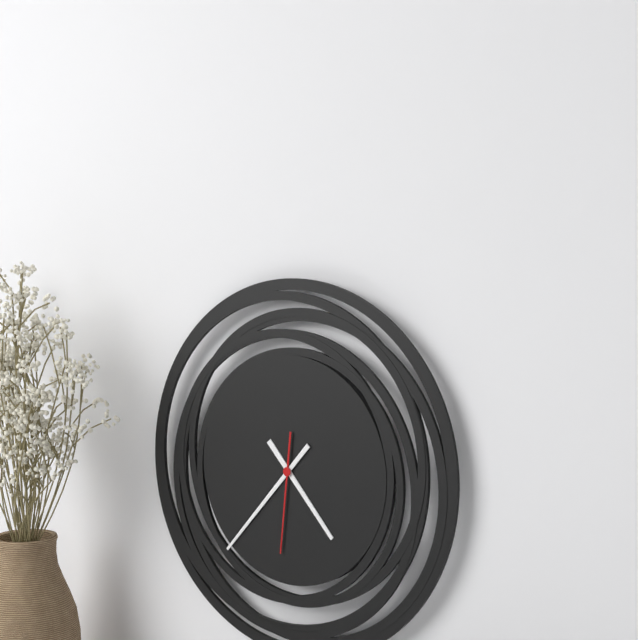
4:37:31
